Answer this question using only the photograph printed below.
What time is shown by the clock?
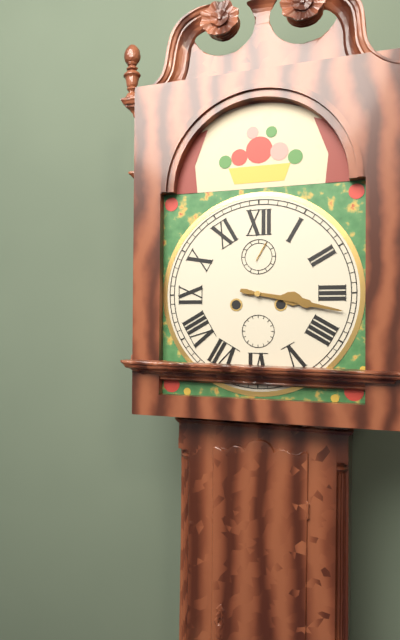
3:17
